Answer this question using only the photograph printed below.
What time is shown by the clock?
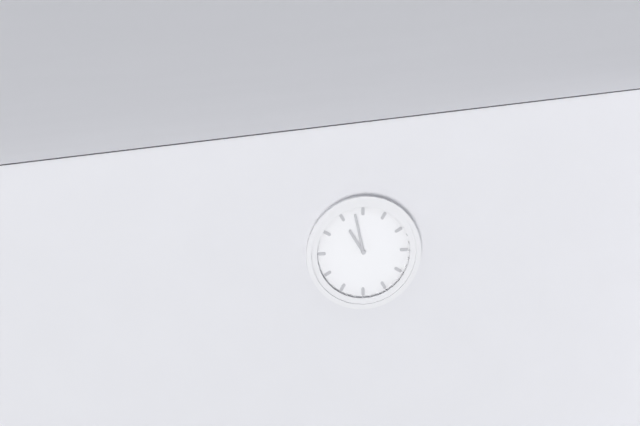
10:58
